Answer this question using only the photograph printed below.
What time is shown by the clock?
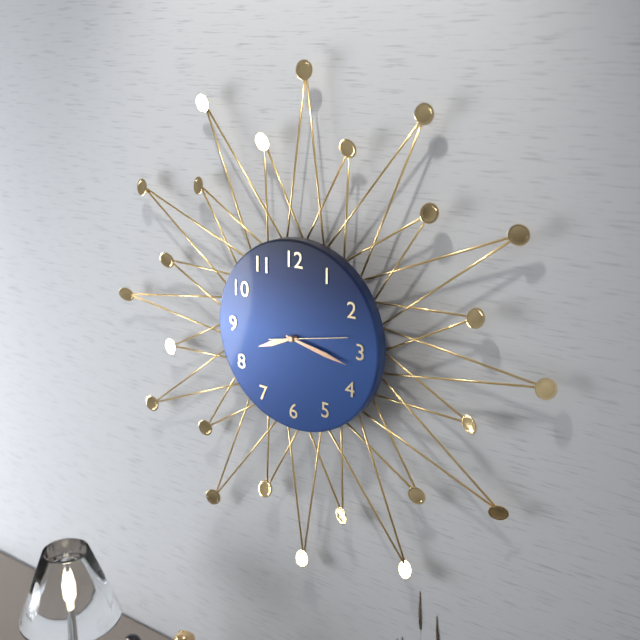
8:17:13
